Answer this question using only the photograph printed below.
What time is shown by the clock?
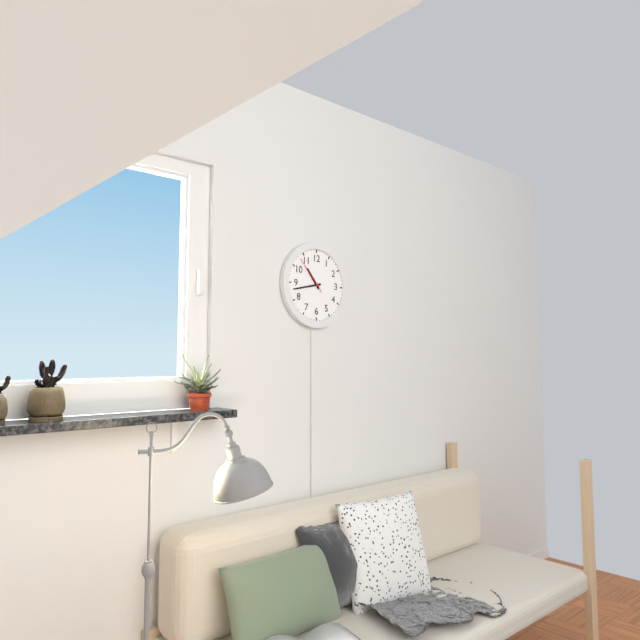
10:43
